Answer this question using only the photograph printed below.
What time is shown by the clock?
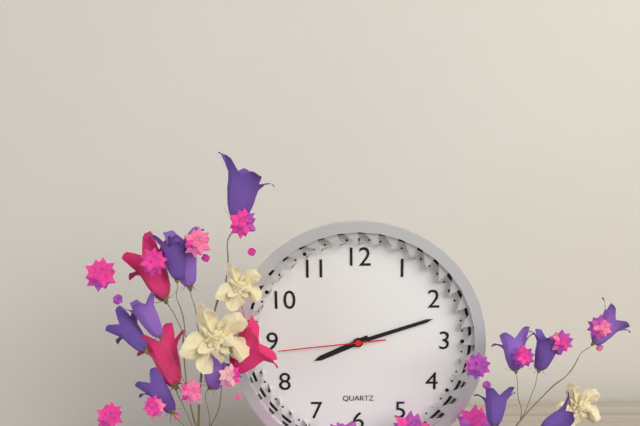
8:12:44
